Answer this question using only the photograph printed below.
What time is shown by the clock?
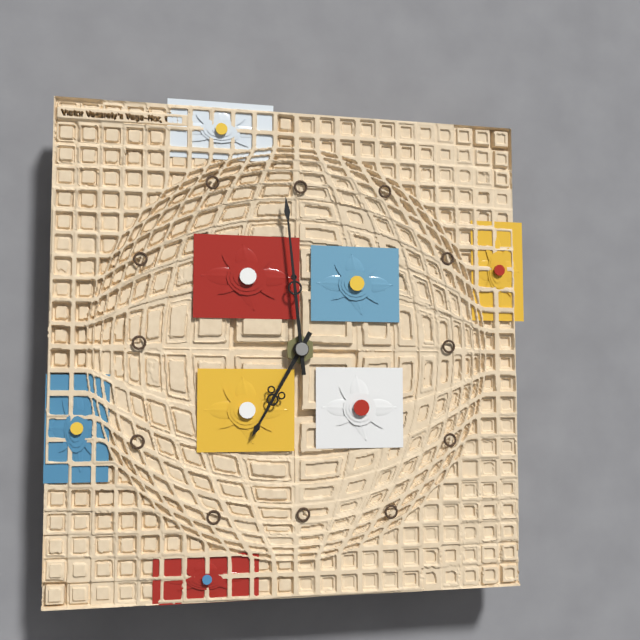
6:59
